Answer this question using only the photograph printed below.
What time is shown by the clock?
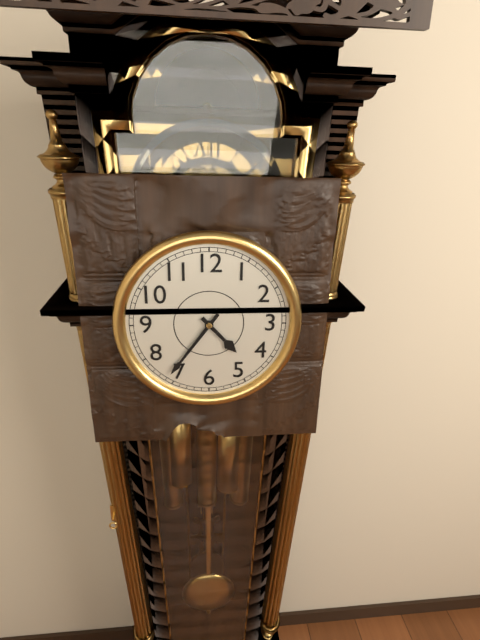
4:36
